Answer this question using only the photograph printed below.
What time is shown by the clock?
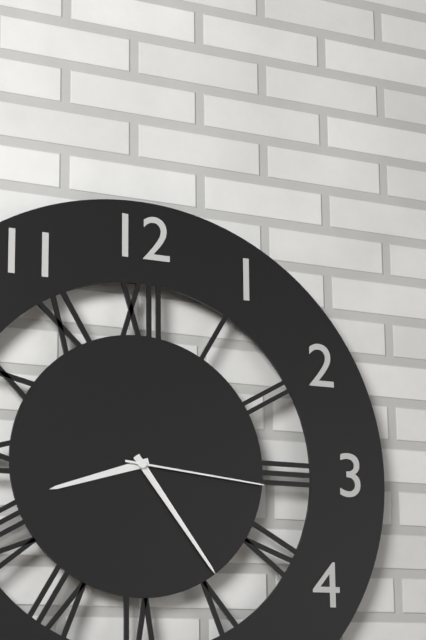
8:24:16
